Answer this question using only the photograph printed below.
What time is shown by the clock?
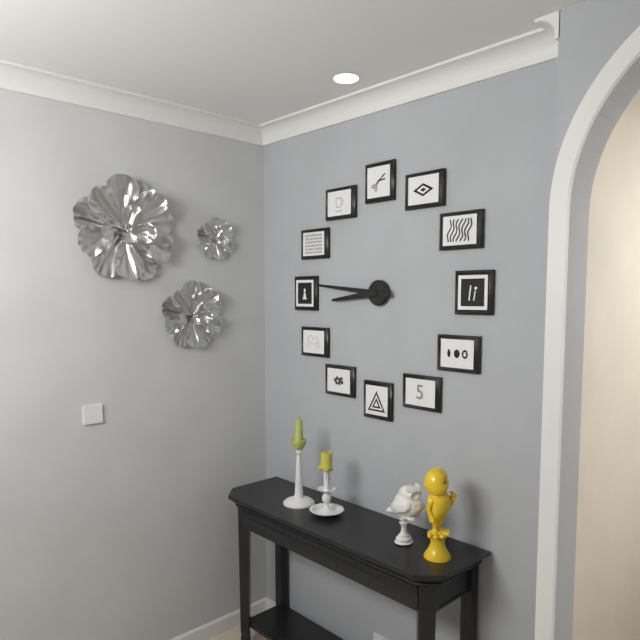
8:46
